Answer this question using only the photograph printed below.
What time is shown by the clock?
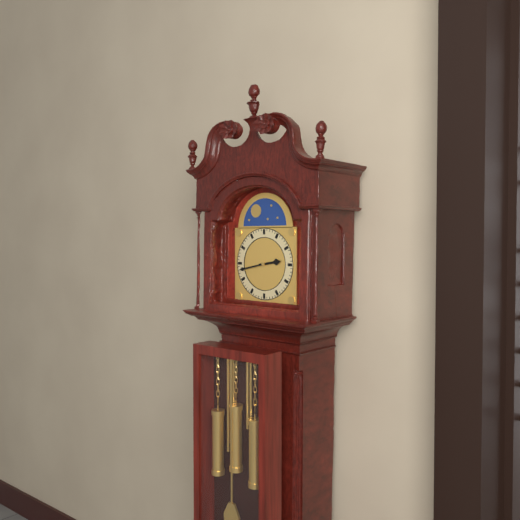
2:43
